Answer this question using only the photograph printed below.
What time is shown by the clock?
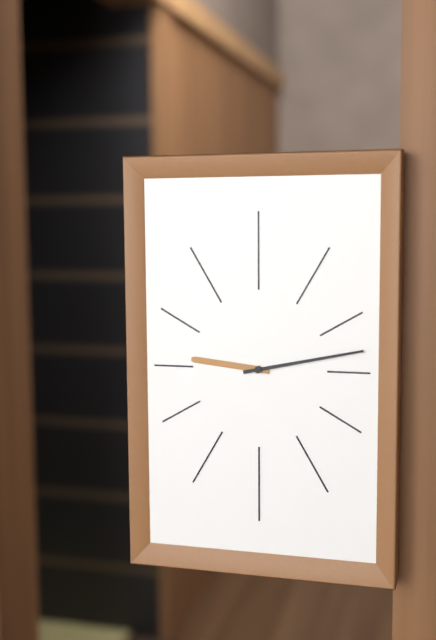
9:13
